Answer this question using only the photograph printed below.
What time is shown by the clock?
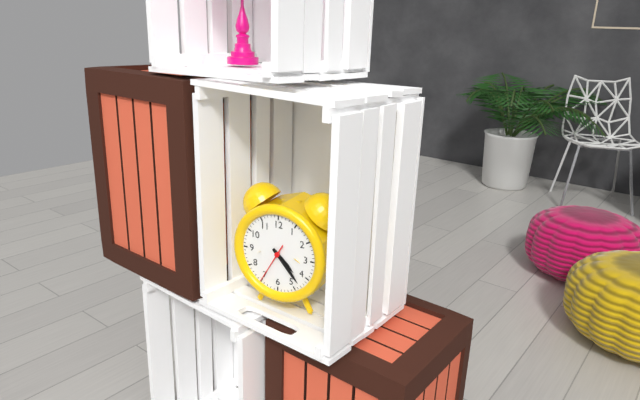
4:23
